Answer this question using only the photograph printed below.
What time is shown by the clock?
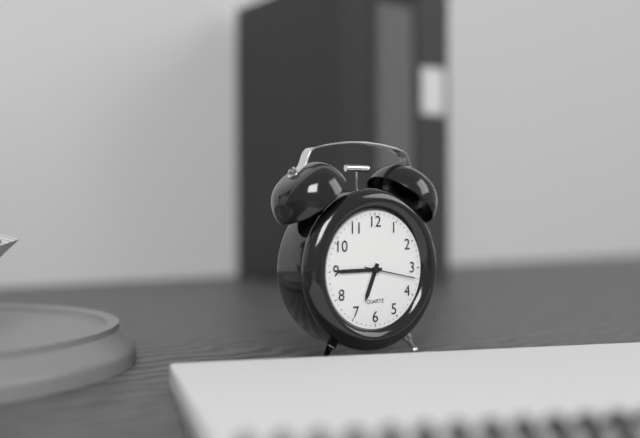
6:45:17
